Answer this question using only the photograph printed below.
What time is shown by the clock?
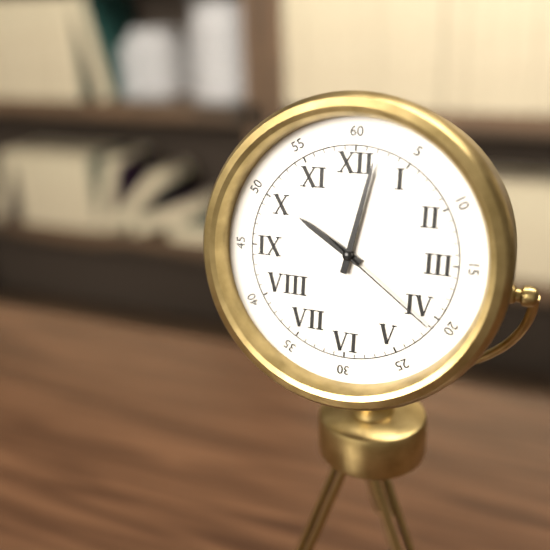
10:02:21
